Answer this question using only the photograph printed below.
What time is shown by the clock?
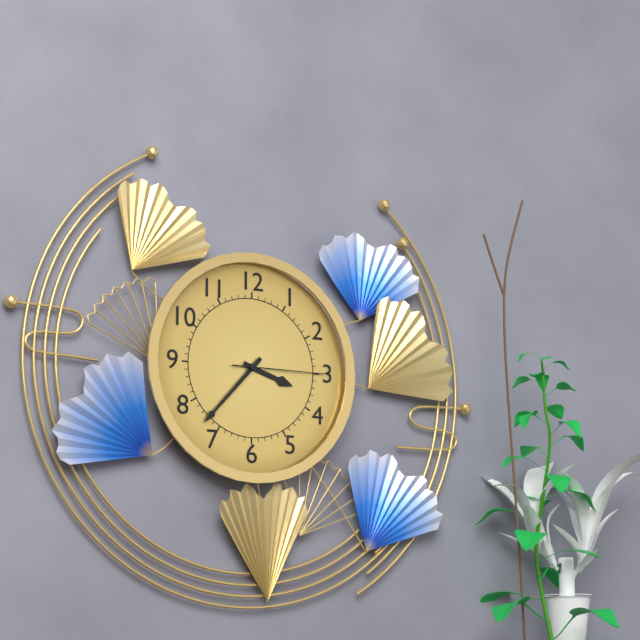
3:37:15
